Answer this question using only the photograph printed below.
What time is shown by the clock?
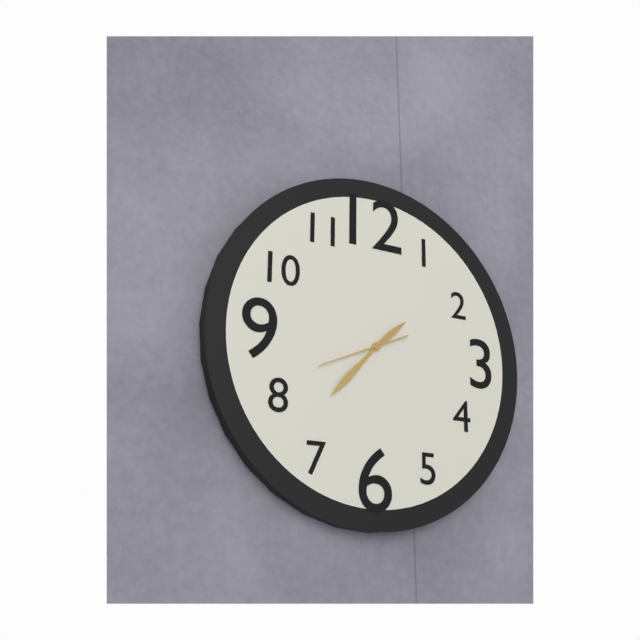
1:37:41
